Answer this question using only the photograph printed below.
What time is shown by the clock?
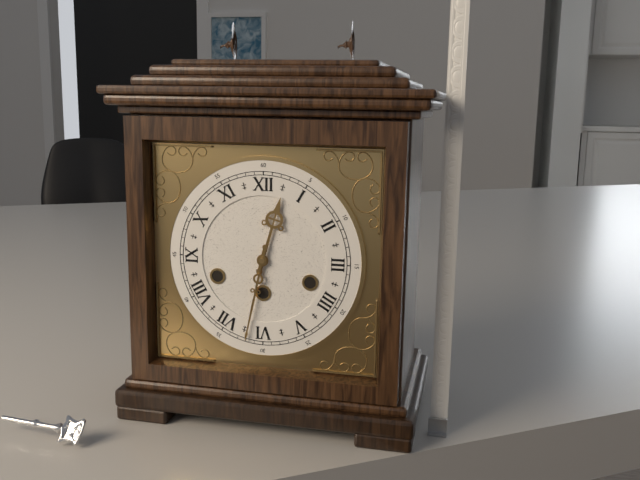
12:32
